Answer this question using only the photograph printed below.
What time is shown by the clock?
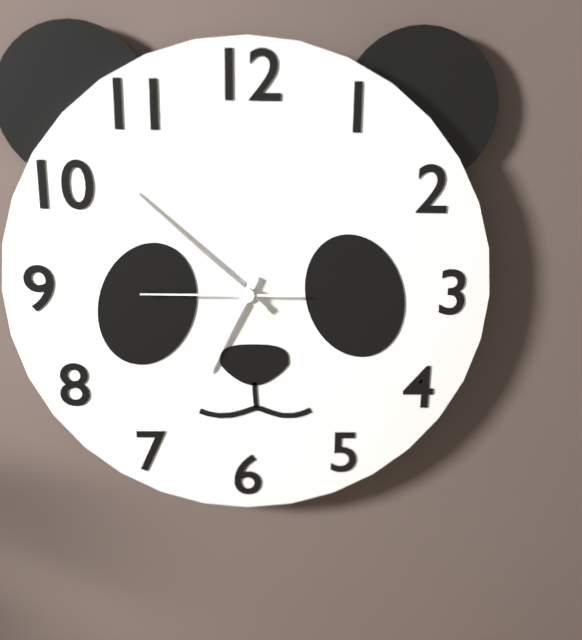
6:52:45
